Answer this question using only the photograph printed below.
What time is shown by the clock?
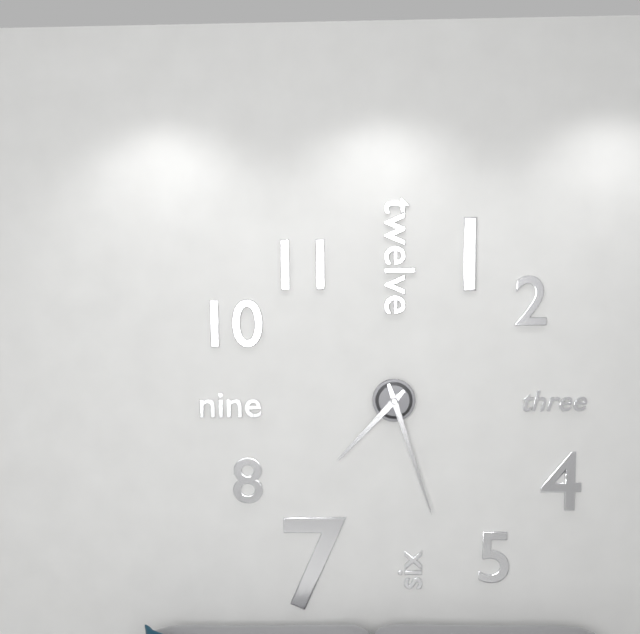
7:27
